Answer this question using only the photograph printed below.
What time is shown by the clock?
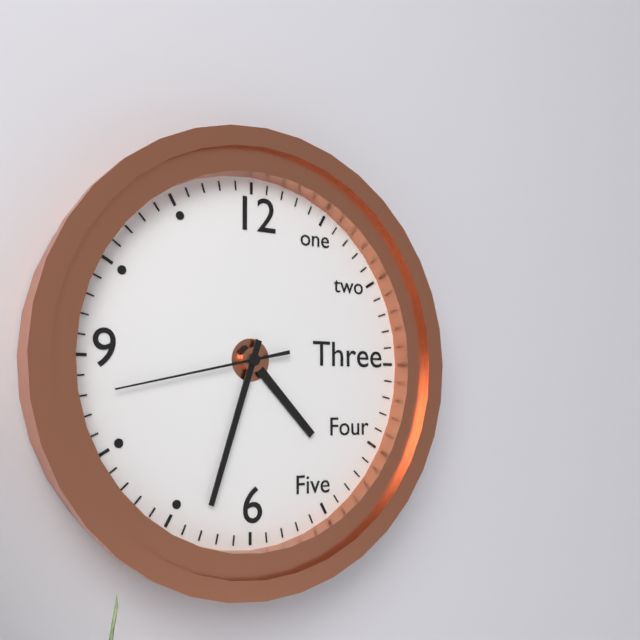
4:33:43
